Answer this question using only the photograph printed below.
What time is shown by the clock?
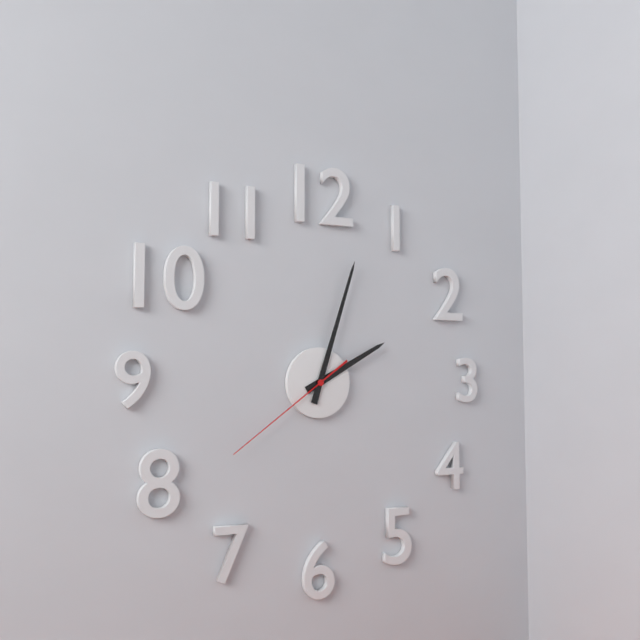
2:03:39
